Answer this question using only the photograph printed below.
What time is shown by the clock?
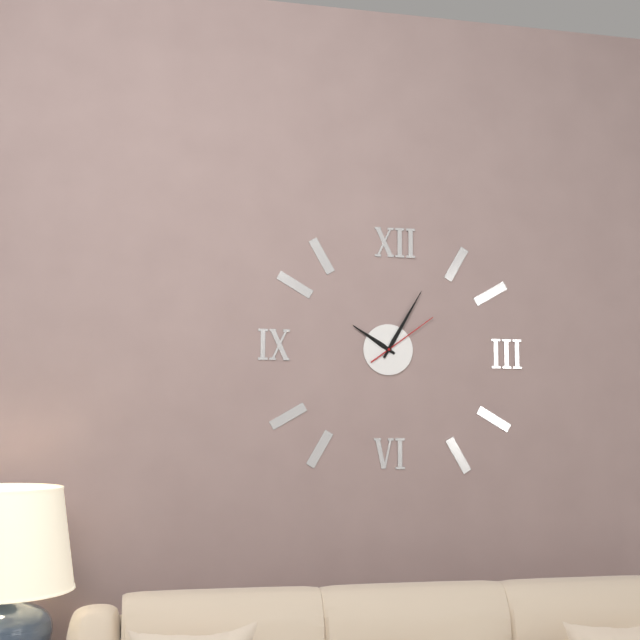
10:05:09
